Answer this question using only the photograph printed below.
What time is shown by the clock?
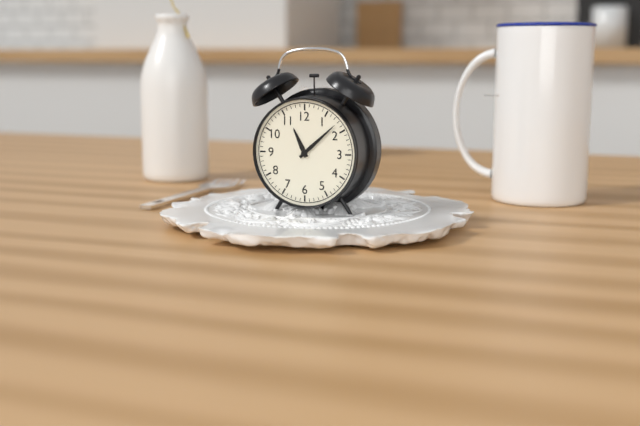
11:08
